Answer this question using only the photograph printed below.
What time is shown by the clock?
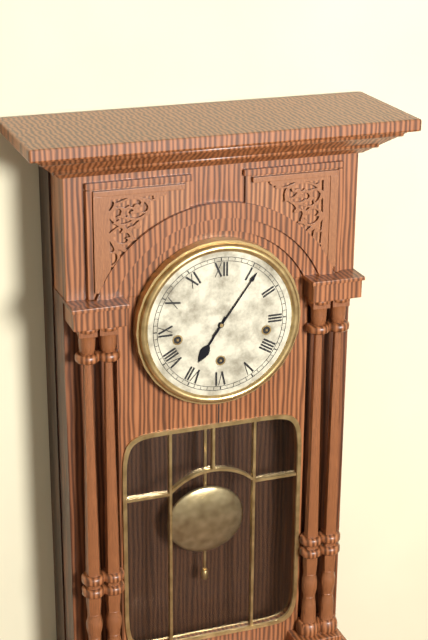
7:06
